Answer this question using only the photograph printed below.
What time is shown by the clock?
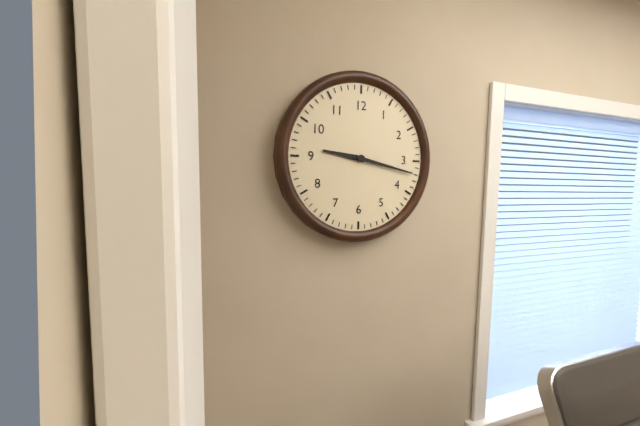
9:17
